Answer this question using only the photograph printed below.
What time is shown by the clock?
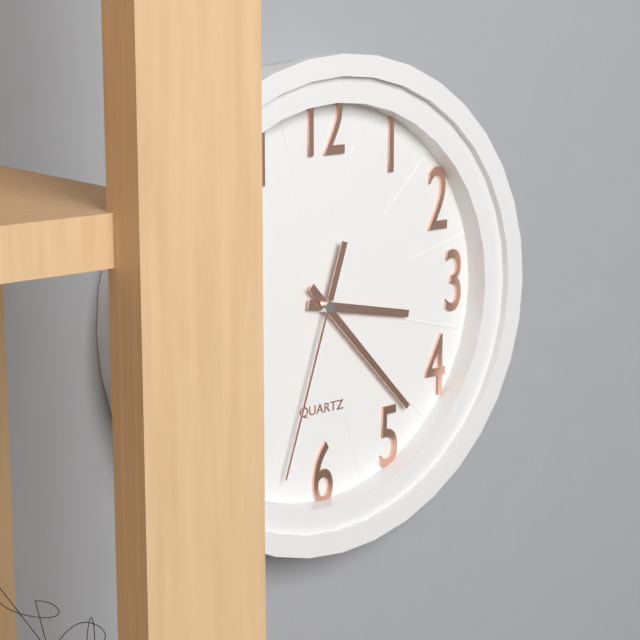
3:23:33
